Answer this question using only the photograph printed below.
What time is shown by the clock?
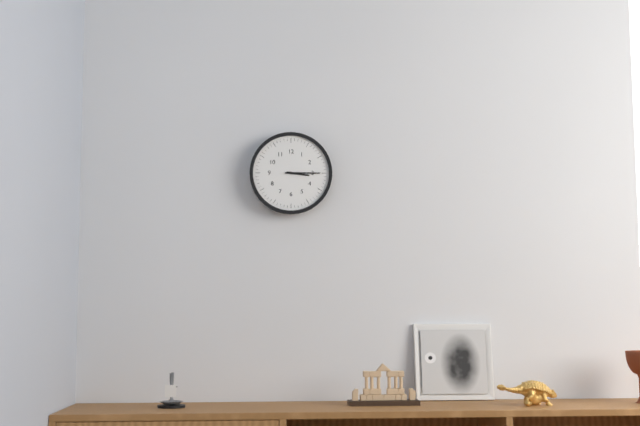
3:15
